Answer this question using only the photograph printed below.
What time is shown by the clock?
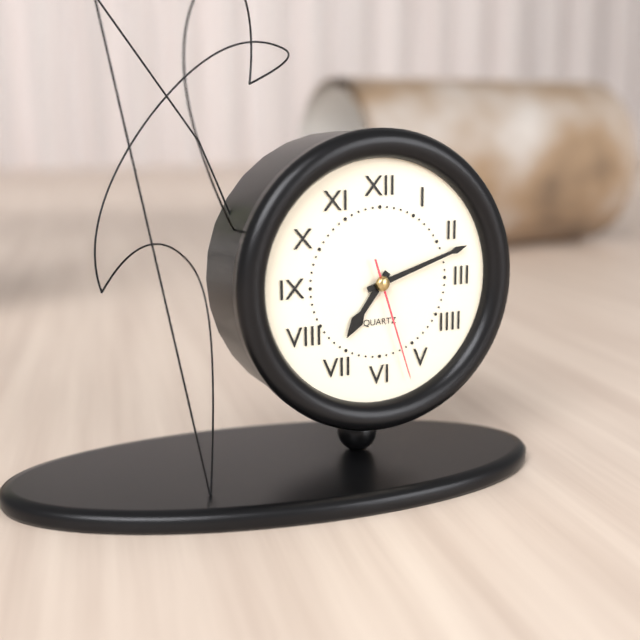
7:12:27
